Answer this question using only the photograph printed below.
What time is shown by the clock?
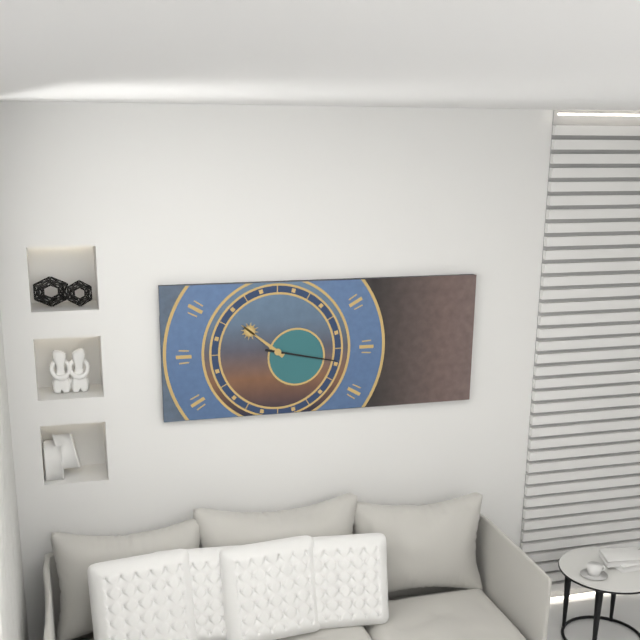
10:17
